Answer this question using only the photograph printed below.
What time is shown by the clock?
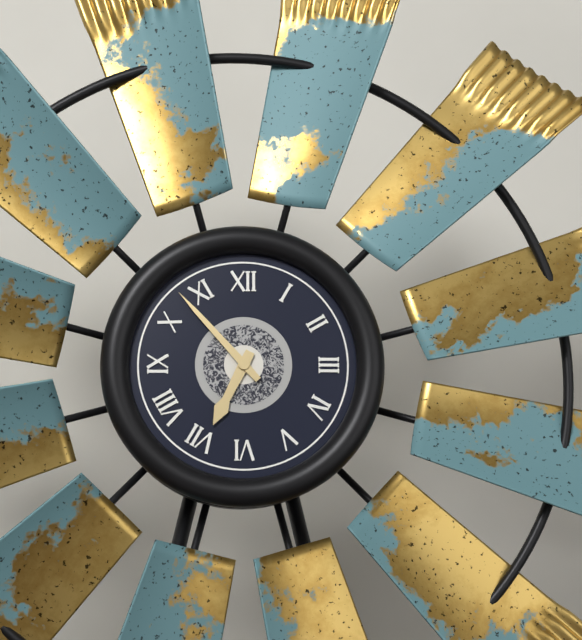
6:53
